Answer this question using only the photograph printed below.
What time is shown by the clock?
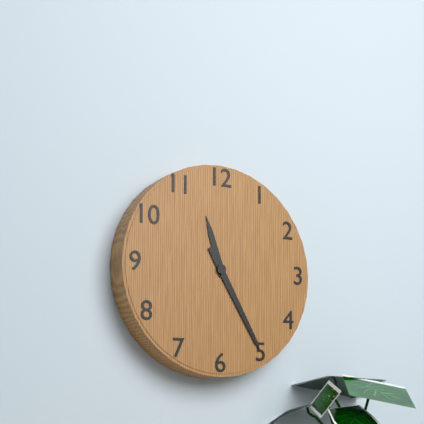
11:25
